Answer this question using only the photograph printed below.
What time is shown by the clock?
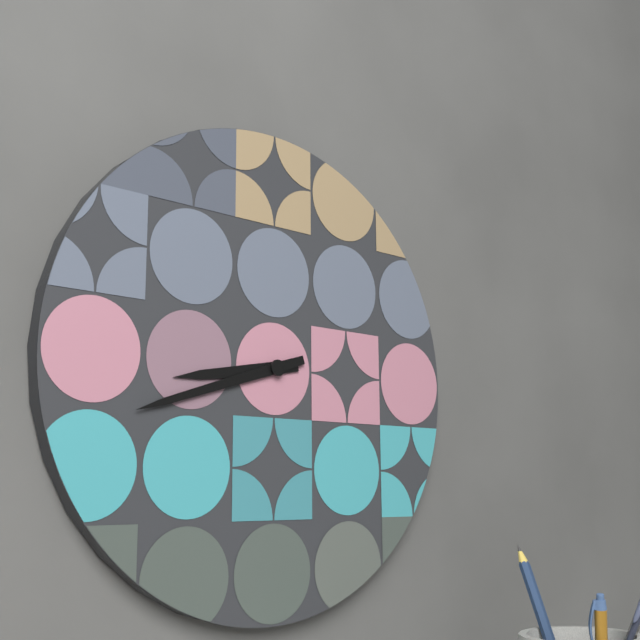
8:42
